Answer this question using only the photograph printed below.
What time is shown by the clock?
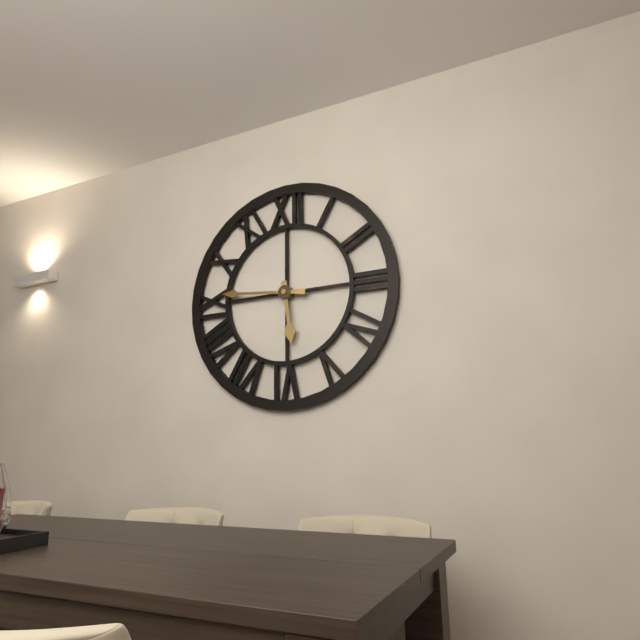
5:46
